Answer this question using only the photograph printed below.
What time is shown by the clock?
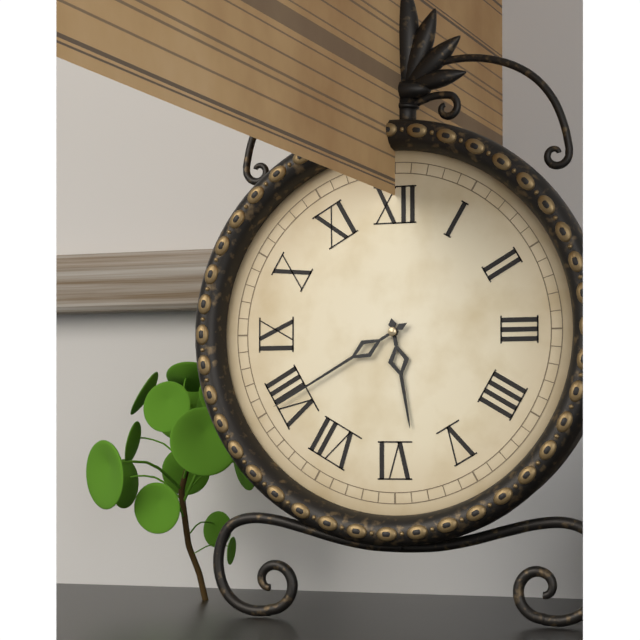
5:40
